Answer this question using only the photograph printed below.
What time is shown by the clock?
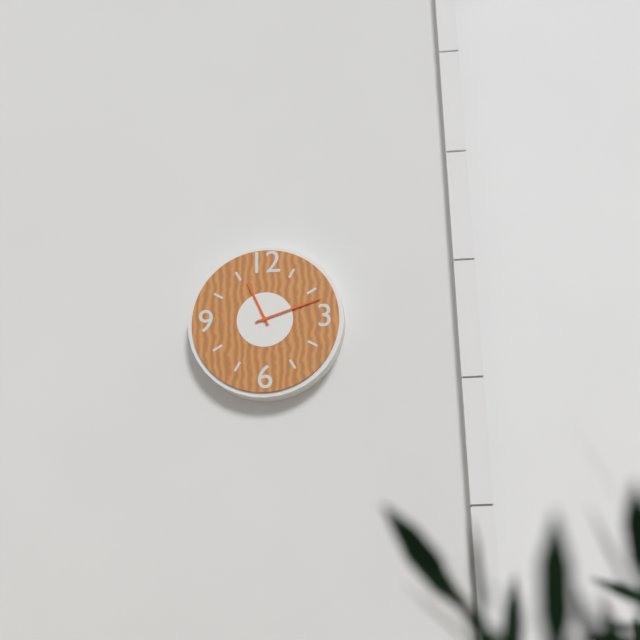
11:12
